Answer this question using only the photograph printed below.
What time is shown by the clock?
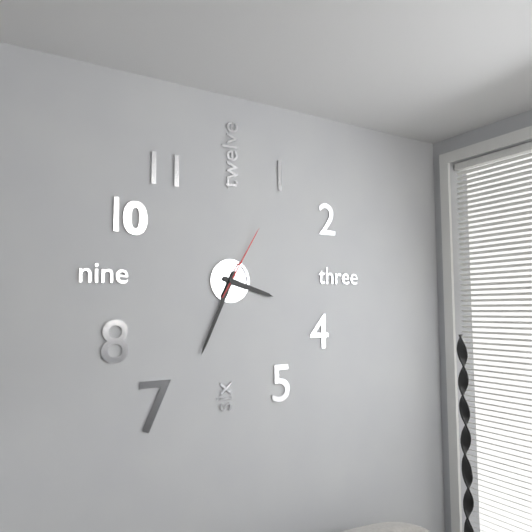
3:34:05
